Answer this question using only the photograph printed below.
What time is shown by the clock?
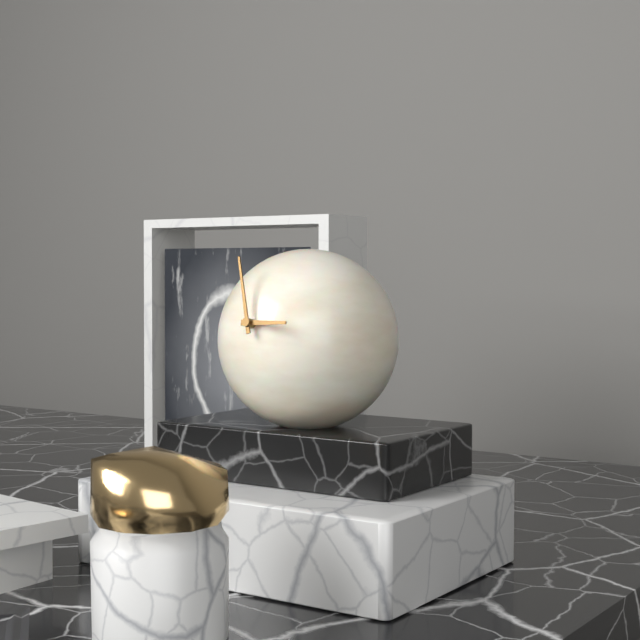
2:57
